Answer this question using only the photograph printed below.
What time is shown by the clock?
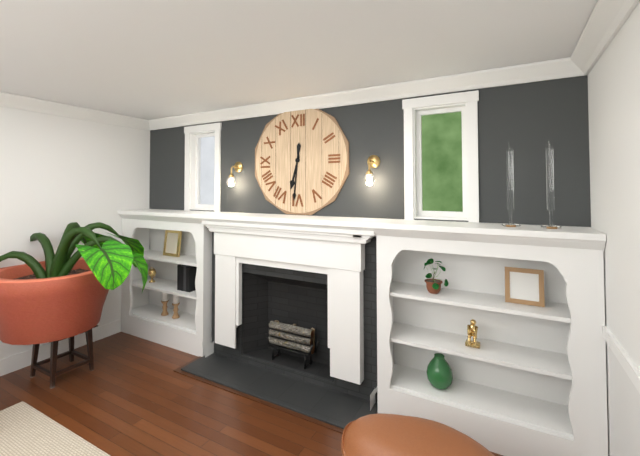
6:31
